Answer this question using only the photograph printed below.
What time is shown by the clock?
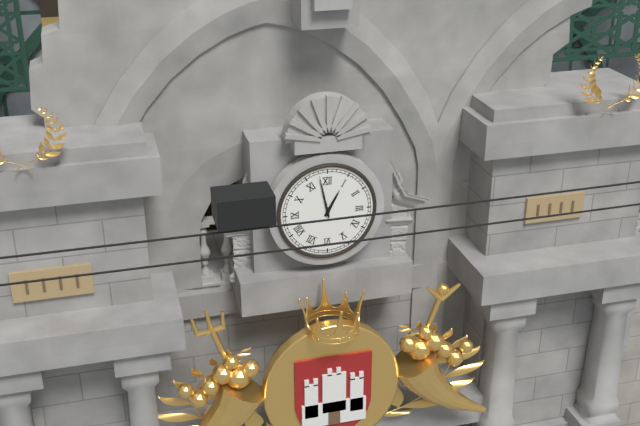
12:58
